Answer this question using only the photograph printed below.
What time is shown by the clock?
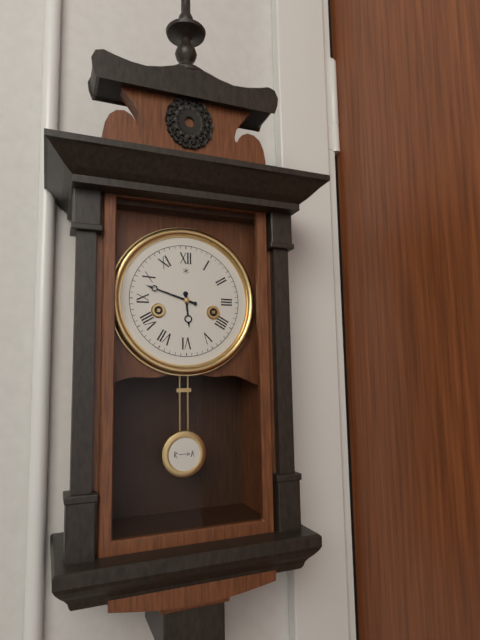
5:48
